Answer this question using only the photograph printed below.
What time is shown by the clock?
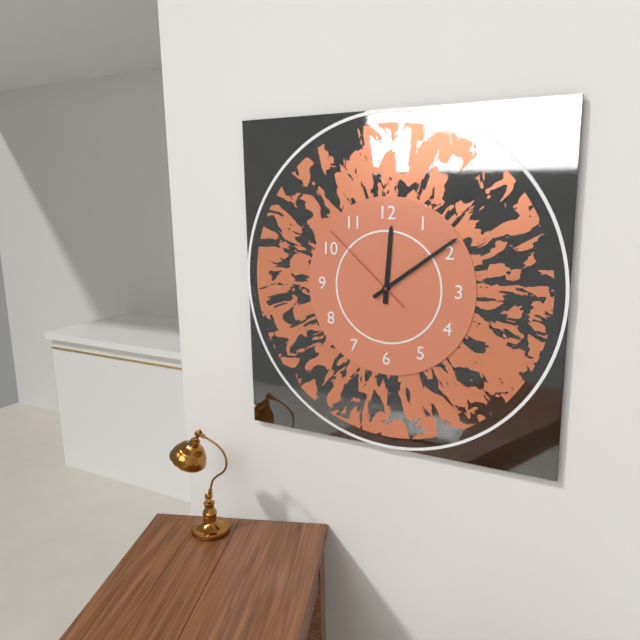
12:09:52
